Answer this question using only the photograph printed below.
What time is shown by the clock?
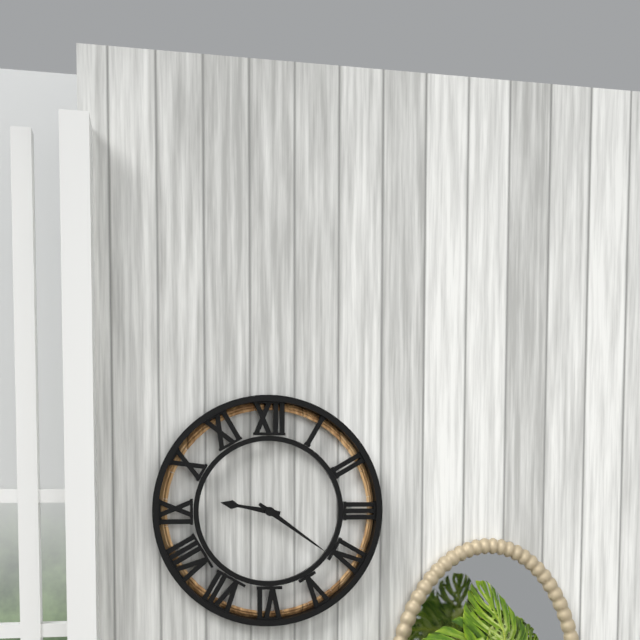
9:21
